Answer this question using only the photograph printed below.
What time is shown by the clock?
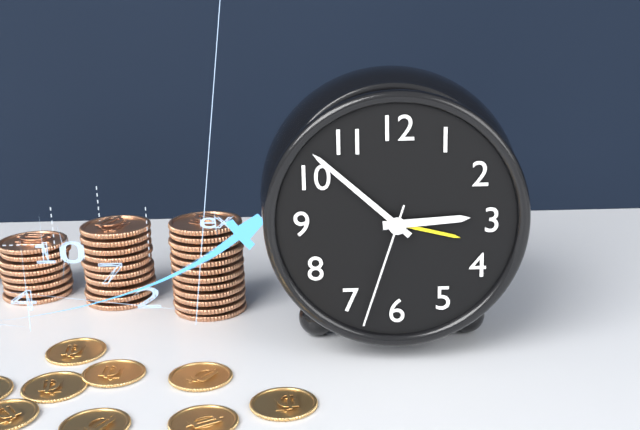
2:52:33
